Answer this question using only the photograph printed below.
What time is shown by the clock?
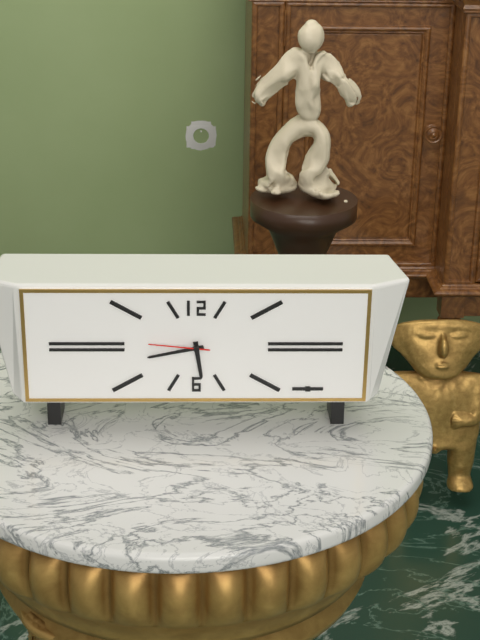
5:43:46
